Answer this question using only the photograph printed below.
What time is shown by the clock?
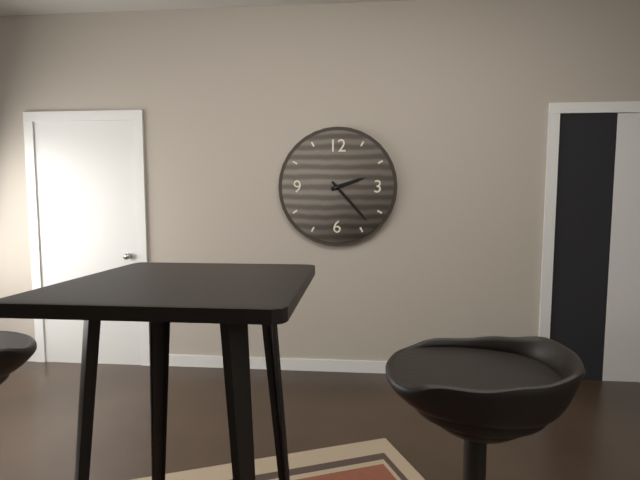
2:23
